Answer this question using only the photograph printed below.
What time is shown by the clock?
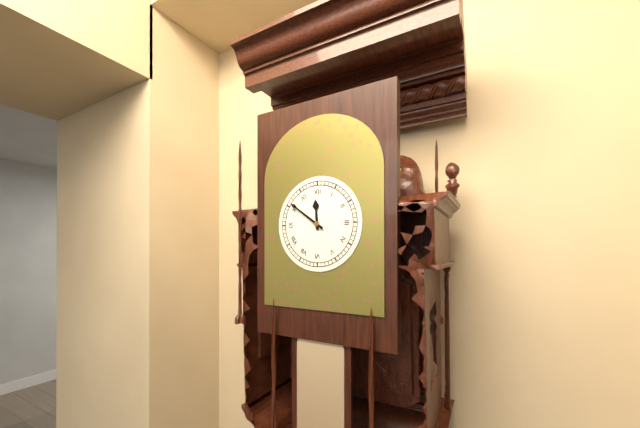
11:51
